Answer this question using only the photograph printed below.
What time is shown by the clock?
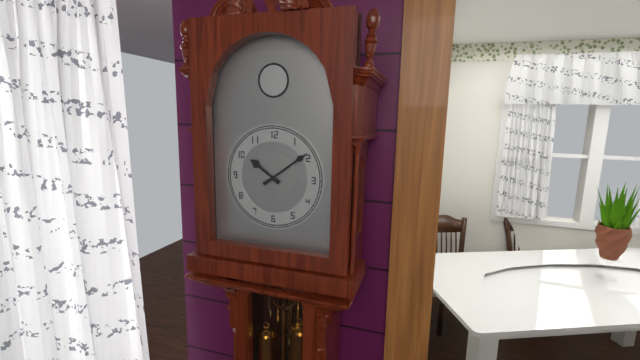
10:09
